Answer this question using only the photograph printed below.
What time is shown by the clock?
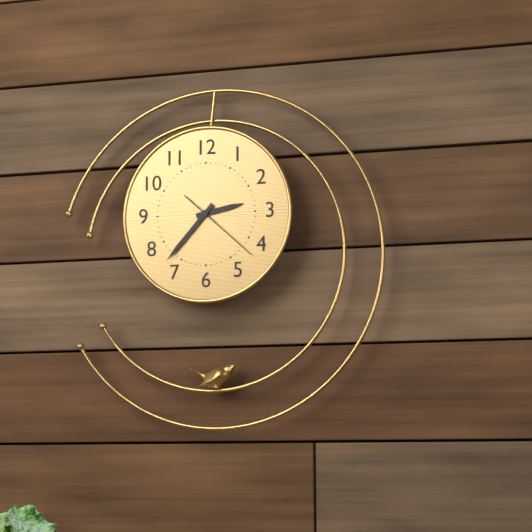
2:37:22
